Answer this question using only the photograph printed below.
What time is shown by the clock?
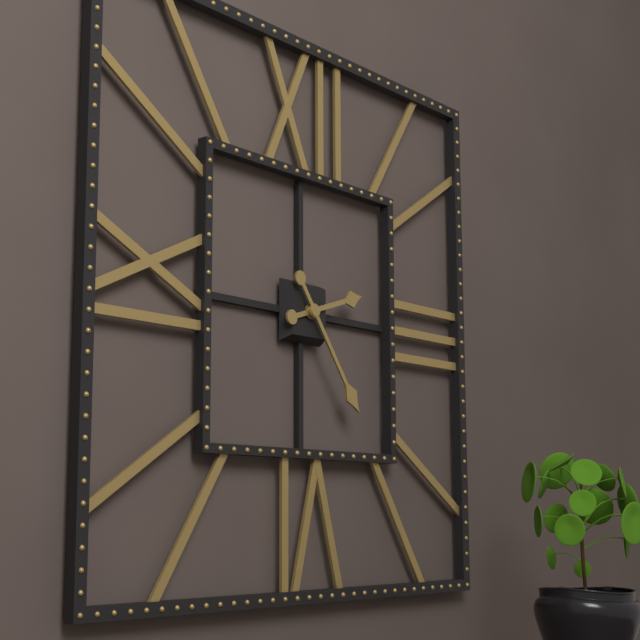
2:24
